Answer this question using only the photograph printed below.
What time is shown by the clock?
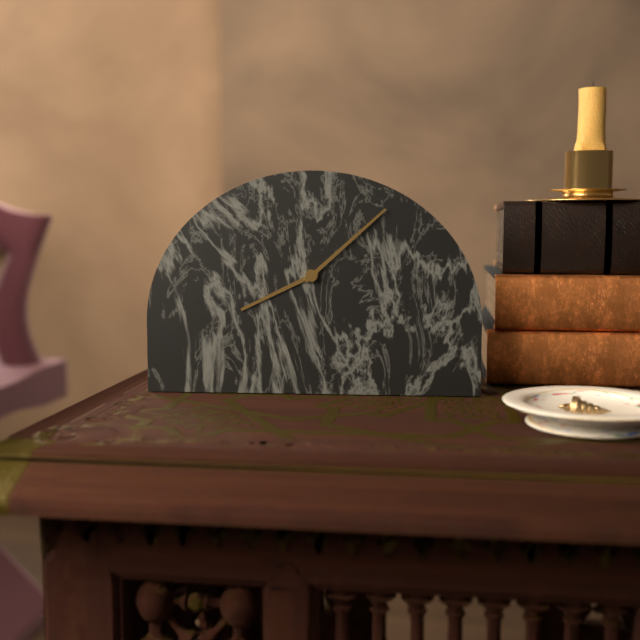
8:08
